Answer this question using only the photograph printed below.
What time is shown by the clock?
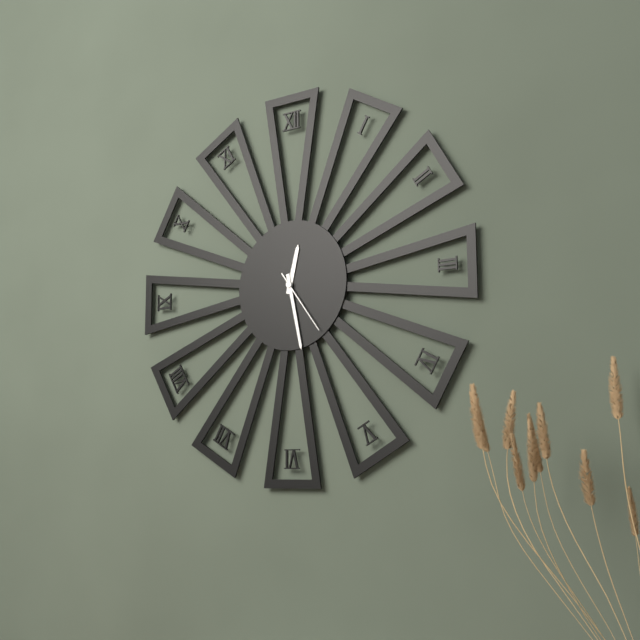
12:28:24
